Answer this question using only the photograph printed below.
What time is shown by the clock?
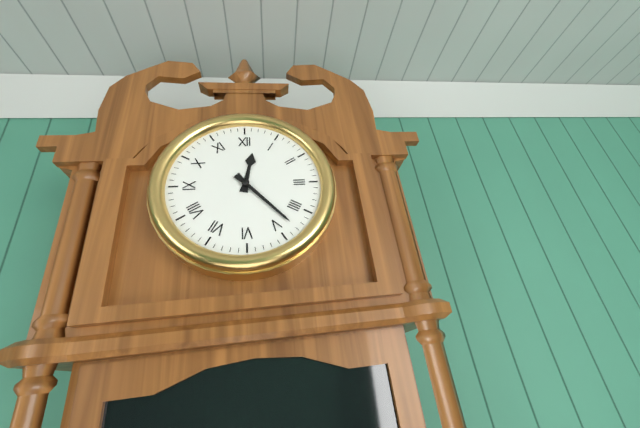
12:23
